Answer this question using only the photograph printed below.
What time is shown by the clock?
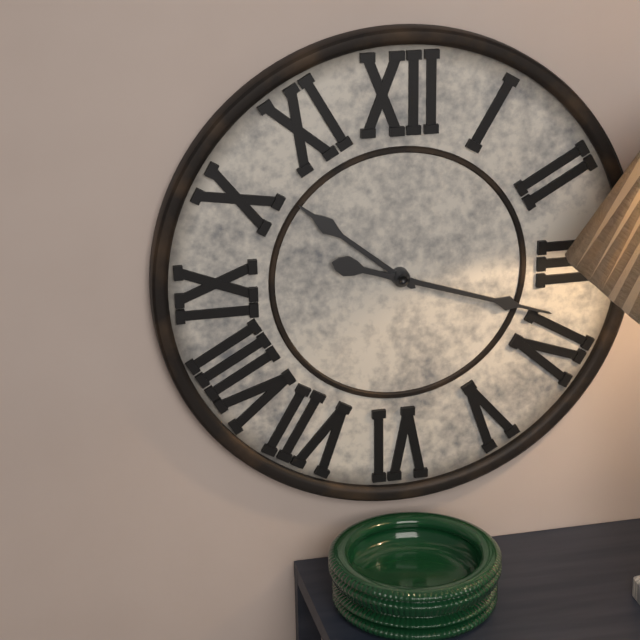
10:18
